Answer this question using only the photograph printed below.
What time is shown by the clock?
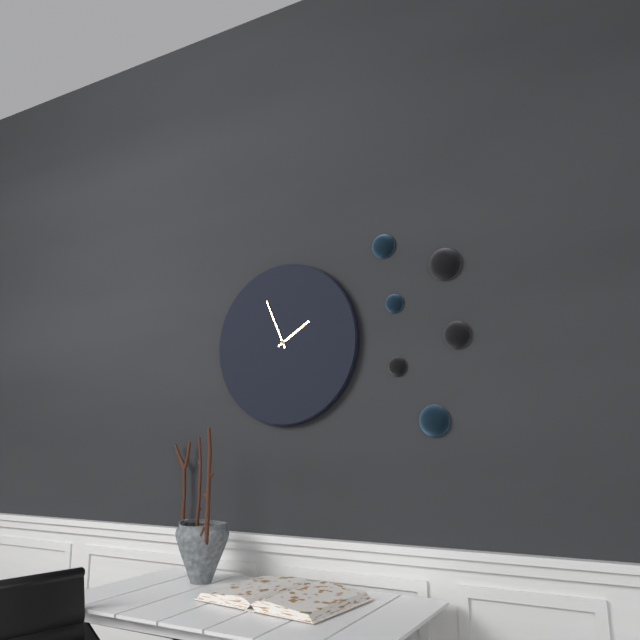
1:56
